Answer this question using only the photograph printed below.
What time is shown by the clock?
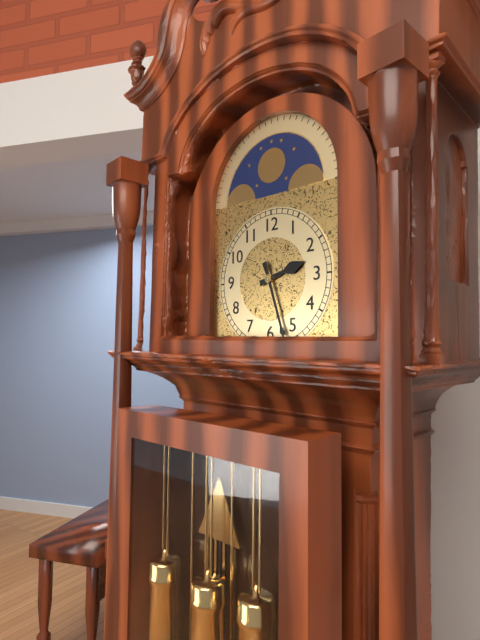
2:27
